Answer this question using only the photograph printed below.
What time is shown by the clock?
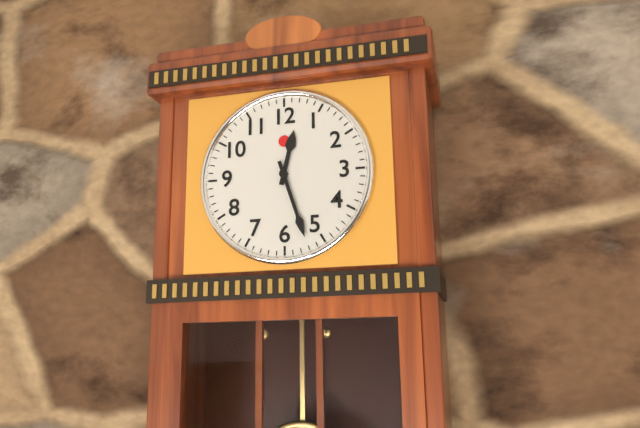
12:27
